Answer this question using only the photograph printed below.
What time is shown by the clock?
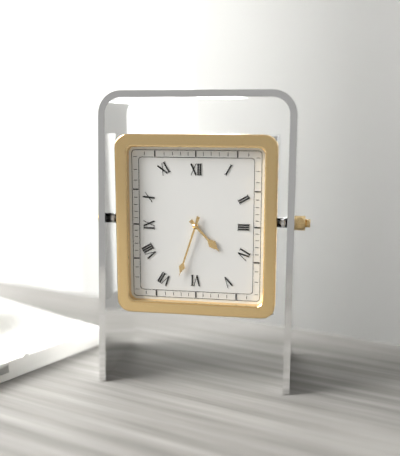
4:33
